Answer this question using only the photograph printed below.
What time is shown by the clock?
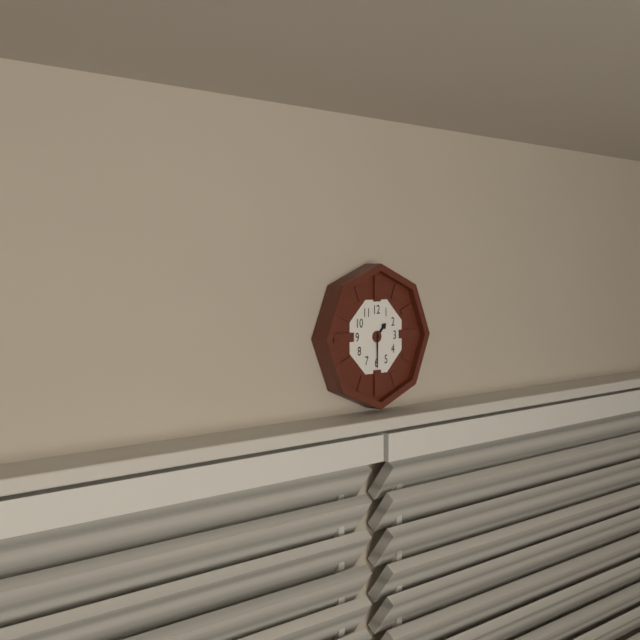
1:30
